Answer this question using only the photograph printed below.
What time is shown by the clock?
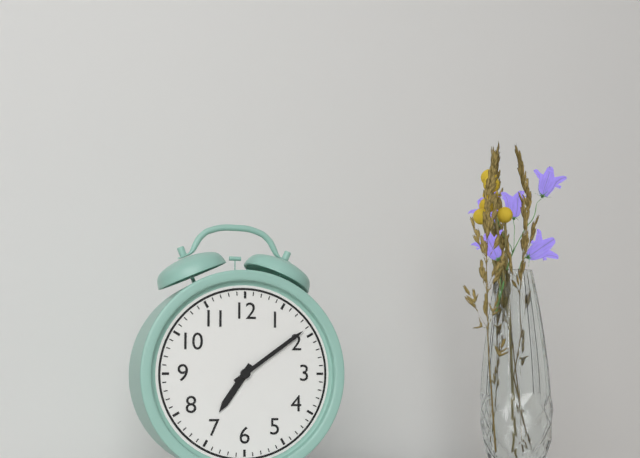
7:09
